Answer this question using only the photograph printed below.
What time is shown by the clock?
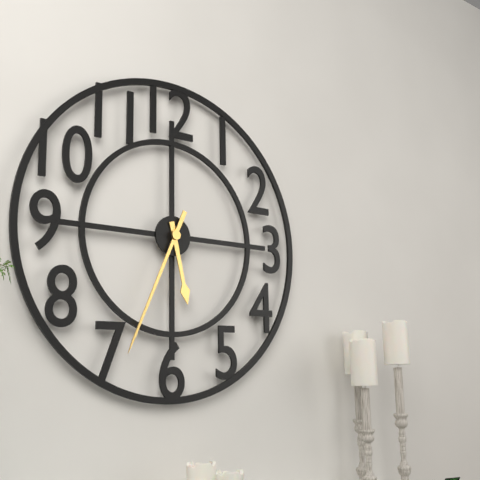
5:34
